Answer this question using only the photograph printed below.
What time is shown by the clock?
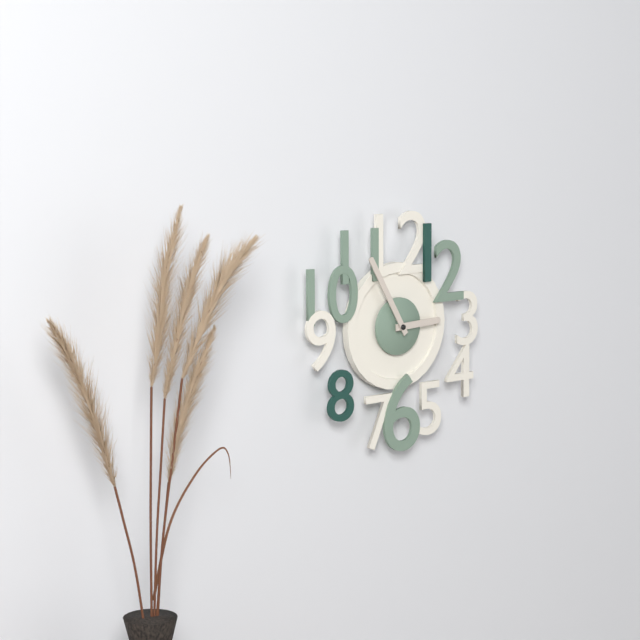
2:55
